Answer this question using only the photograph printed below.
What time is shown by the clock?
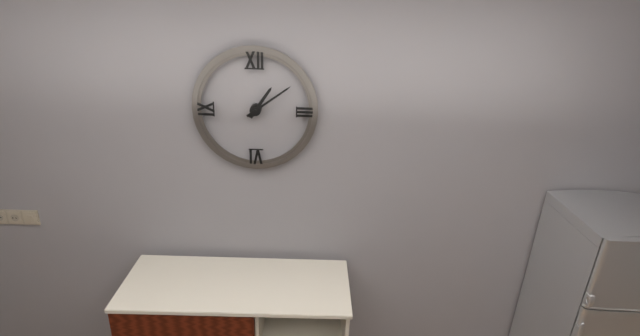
1:09
